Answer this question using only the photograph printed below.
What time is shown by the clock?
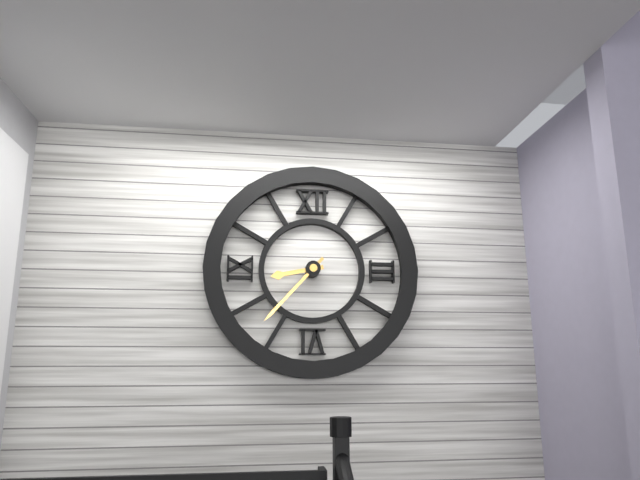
8:37
